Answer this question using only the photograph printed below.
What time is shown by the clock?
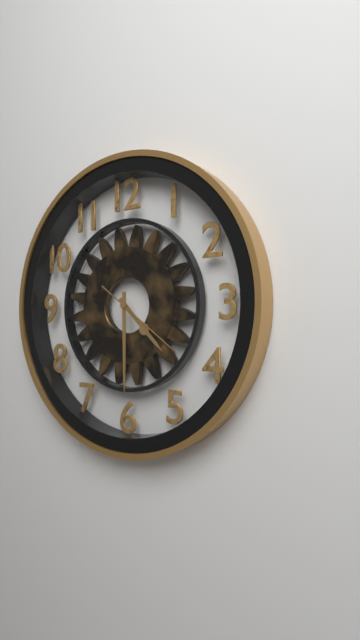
4:30:21
